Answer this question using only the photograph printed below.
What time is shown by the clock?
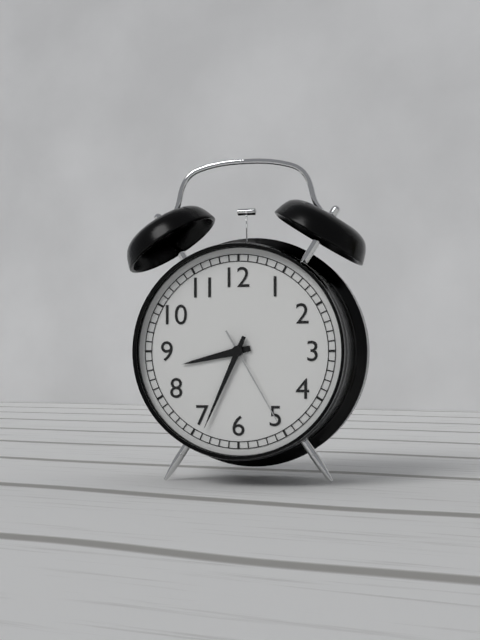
8:34:25
